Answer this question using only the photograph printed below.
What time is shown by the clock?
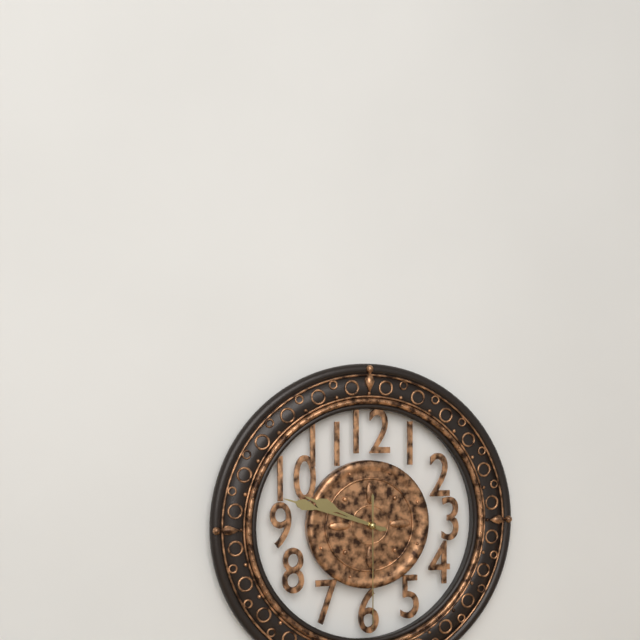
9:48:30
